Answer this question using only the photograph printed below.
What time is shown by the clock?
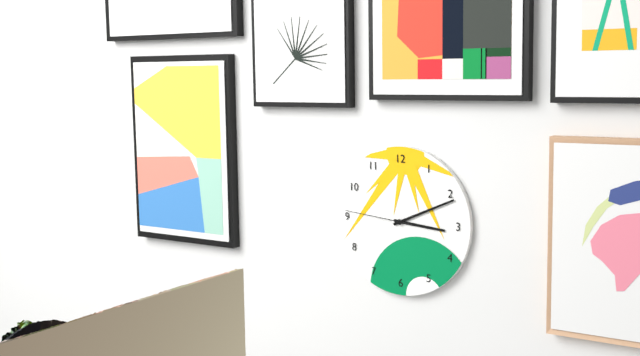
3:11:46
